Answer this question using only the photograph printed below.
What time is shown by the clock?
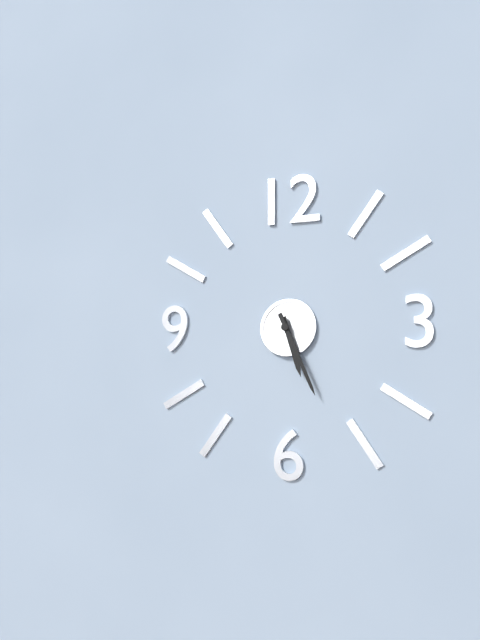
5:26
